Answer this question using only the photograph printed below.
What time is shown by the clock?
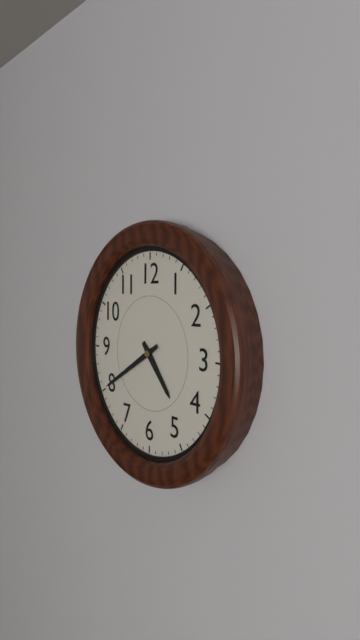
4:40
